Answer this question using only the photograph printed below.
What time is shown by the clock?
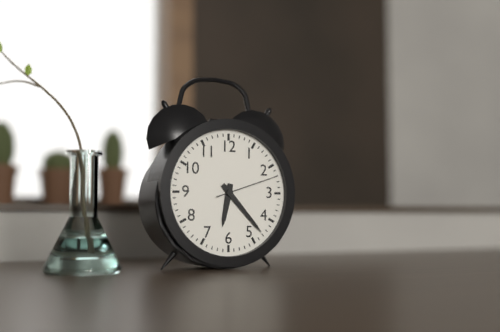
6:23:12
